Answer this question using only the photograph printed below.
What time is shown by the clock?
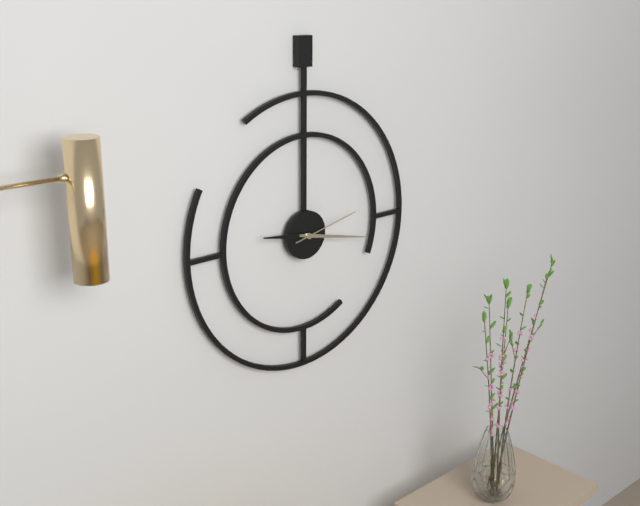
9:17:13
